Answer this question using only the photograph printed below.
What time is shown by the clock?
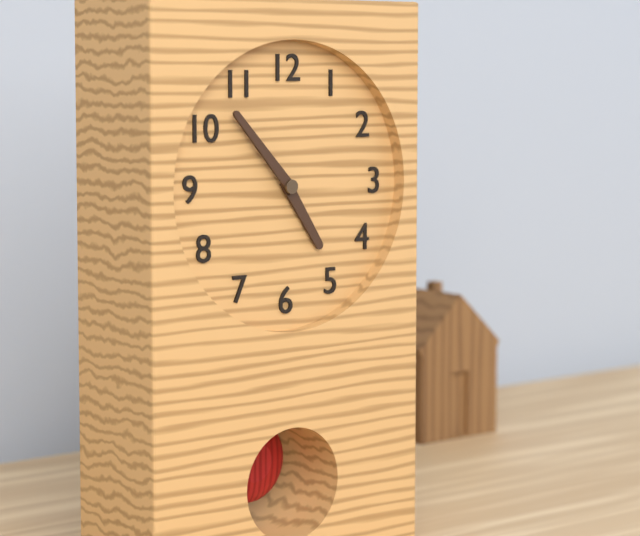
4:53
